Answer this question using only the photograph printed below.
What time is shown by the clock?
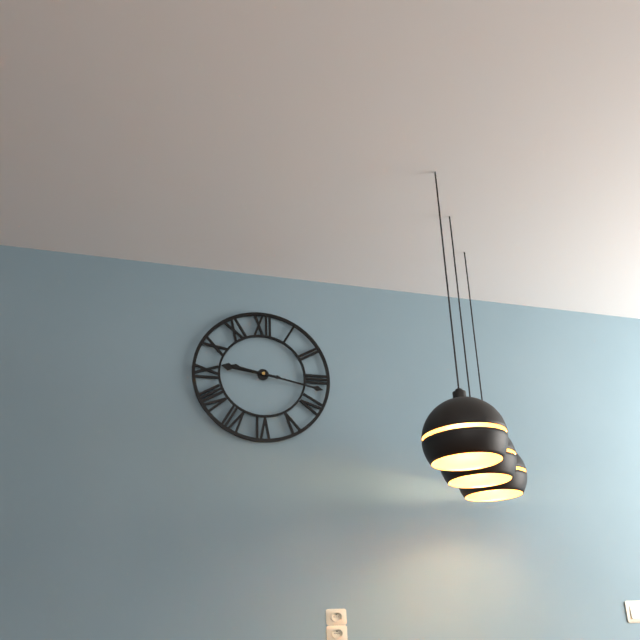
9:17
